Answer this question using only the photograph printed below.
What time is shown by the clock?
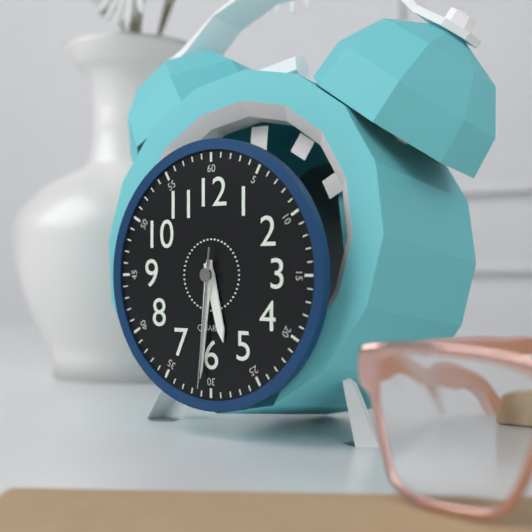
5:31:31
